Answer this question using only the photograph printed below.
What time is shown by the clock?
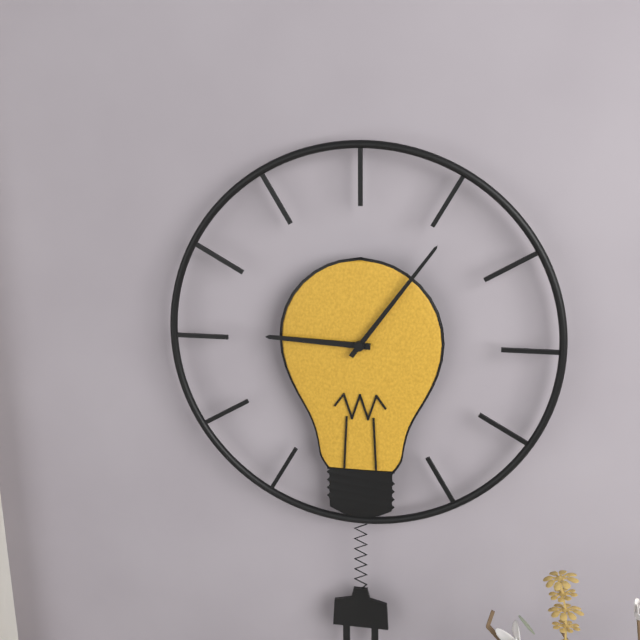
9:06
